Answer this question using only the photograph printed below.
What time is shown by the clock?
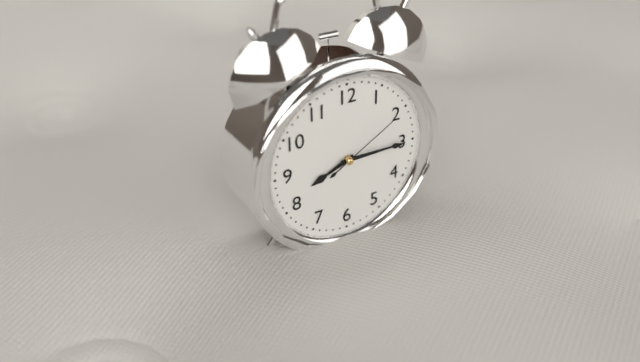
8:15:10
